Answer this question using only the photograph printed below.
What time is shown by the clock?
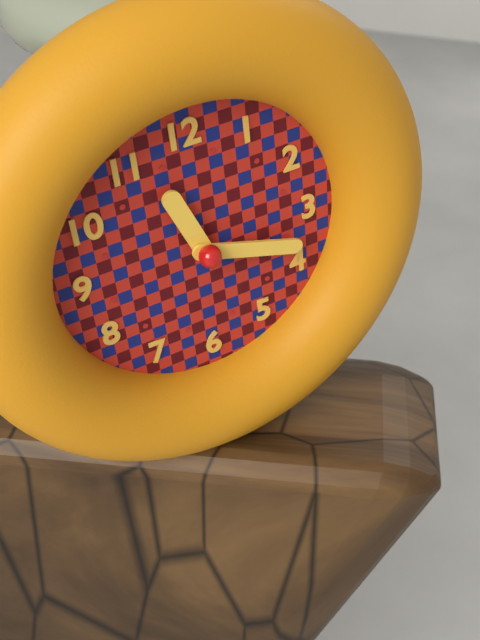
11:18
